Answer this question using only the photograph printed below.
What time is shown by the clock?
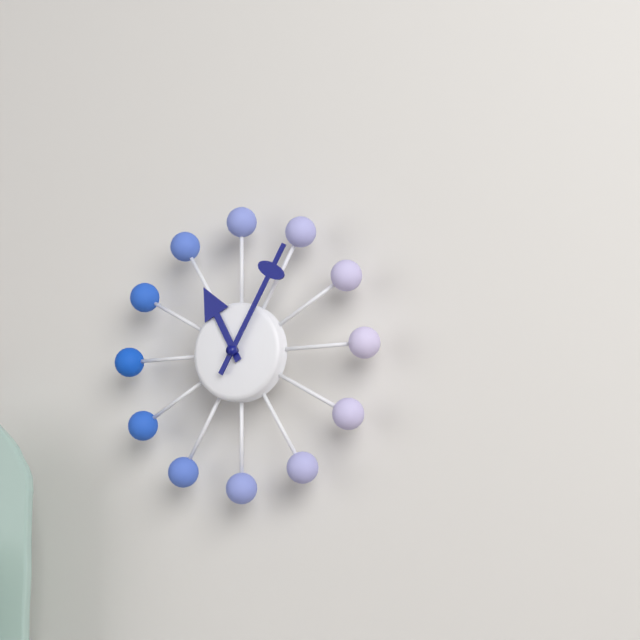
11:05
